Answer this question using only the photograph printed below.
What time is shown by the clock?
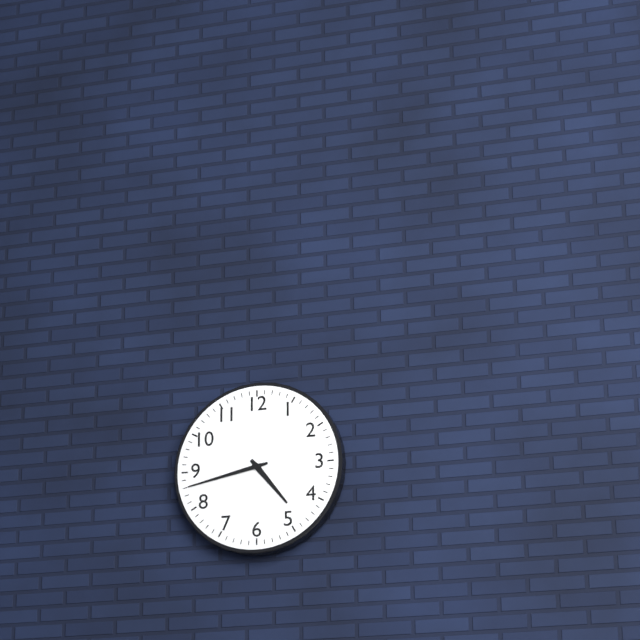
4:43
